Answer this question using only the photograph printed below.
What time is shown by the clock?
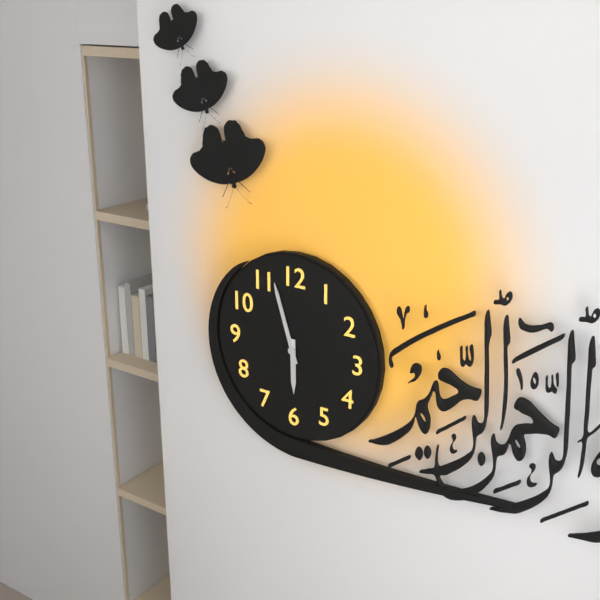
5:57
